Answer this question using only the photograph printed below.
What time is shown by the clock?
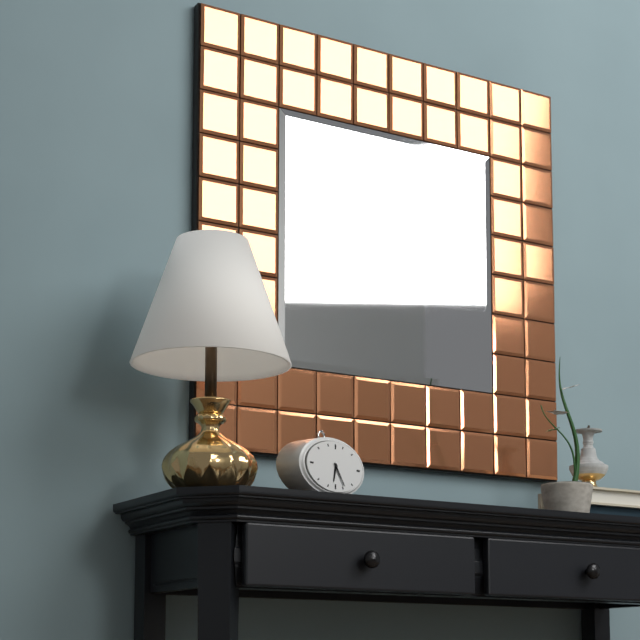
6:24
